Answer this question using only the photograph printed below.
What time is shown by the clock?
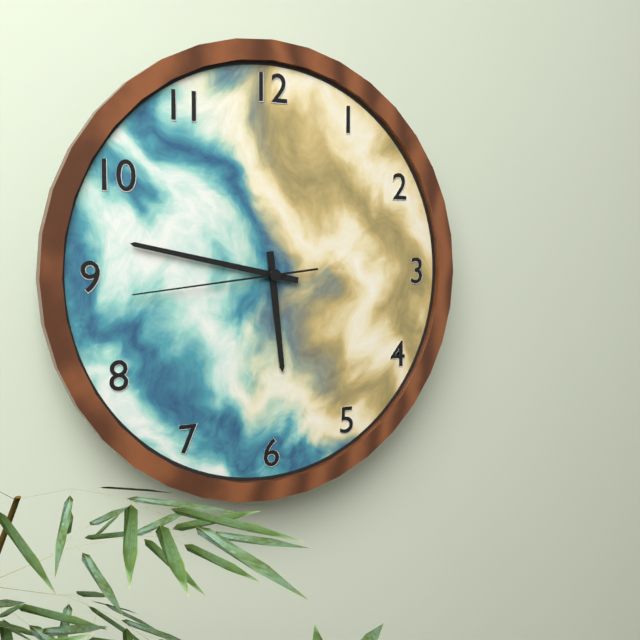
5:47:44
